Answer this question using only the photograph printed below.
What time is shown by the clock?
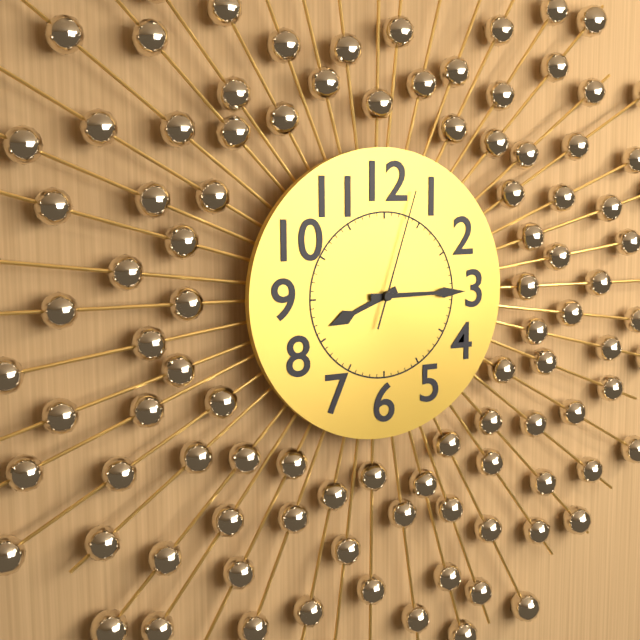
8:15:03
